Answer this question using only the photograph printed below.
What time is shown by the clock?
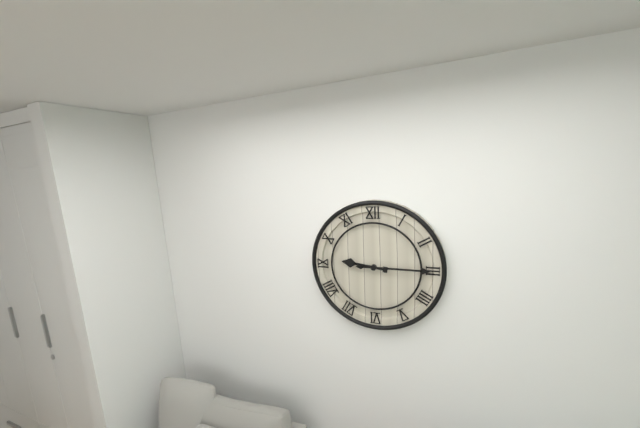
9:15
